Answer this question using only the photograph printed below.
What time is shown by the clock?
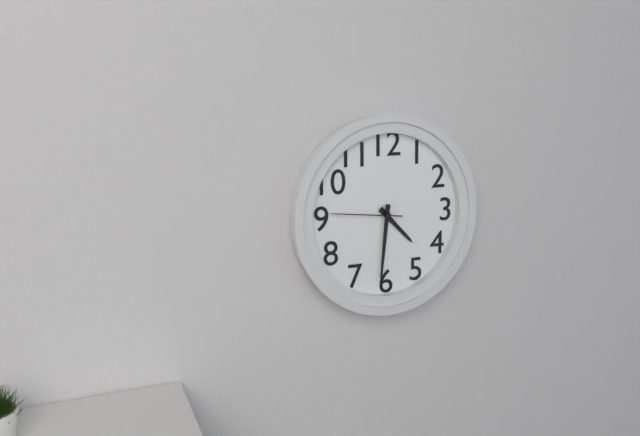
4:31:46
